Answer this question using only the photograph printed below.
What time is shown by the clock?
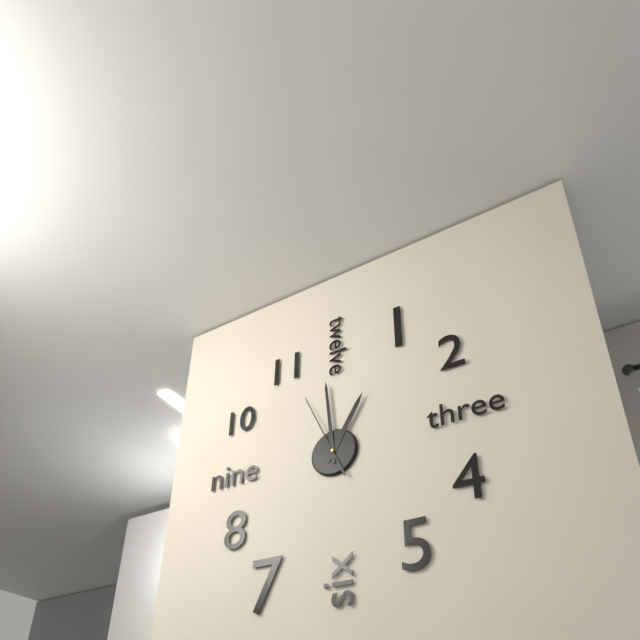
12:59:56
